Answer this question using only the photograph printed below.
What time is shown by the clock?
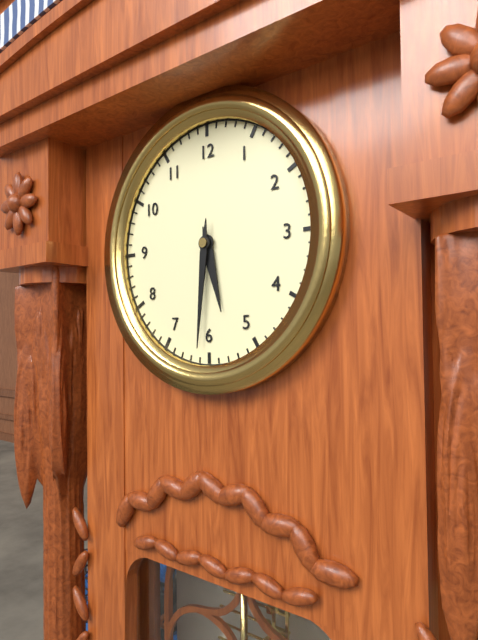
5:31
